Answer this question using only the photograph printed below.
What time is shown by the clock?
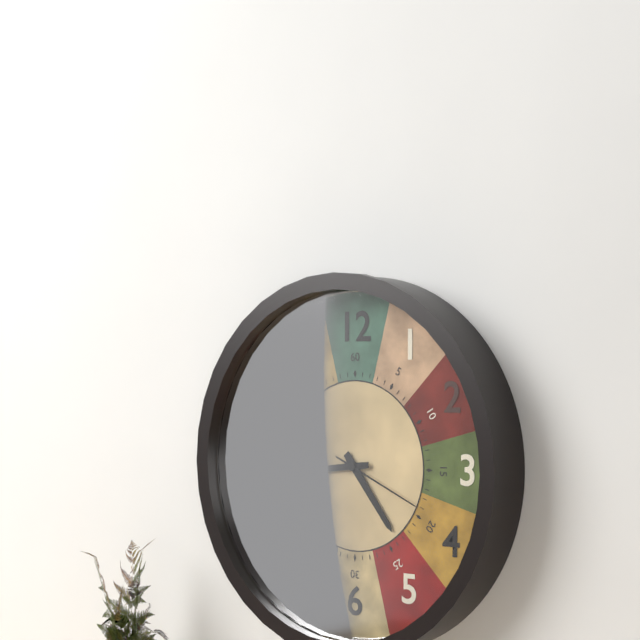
4:44:19
